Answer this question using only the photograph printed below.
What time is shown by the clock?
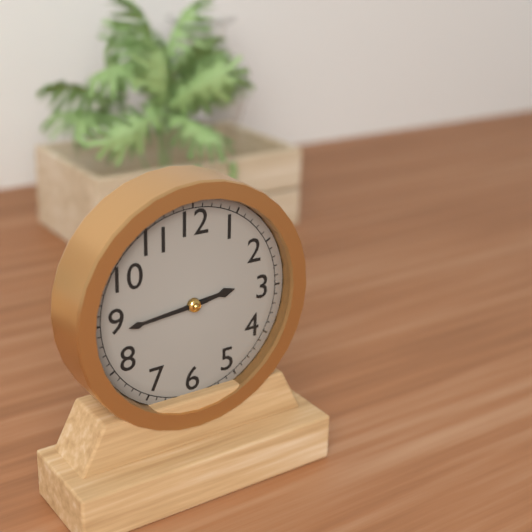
2:44
